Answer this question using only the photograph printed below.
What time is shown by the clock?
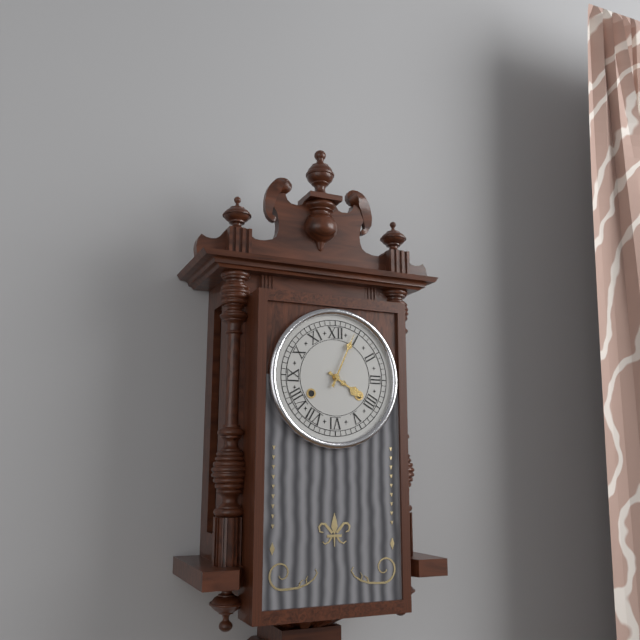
4:04
